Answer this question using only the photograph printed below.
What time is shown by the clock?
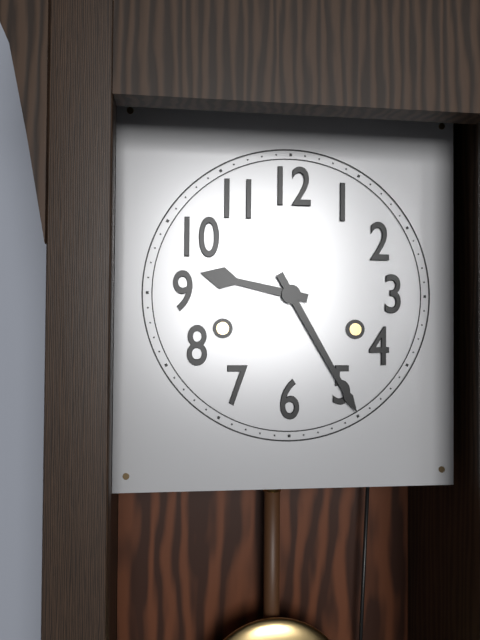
9:25
